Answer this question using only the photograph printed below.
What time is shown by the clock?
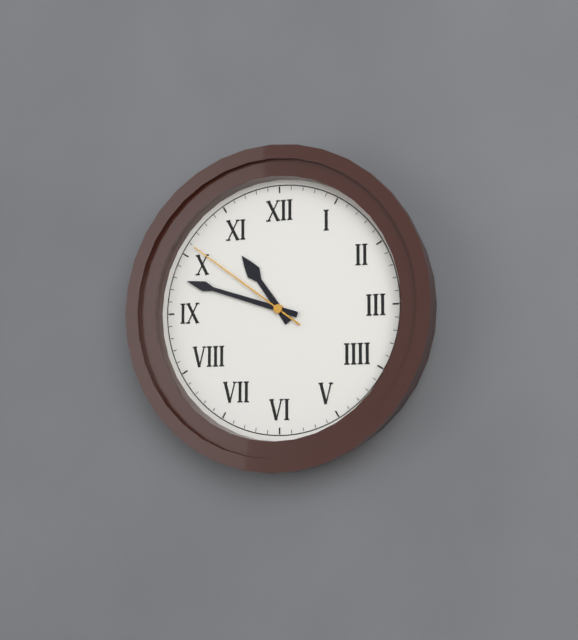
10:48:51
